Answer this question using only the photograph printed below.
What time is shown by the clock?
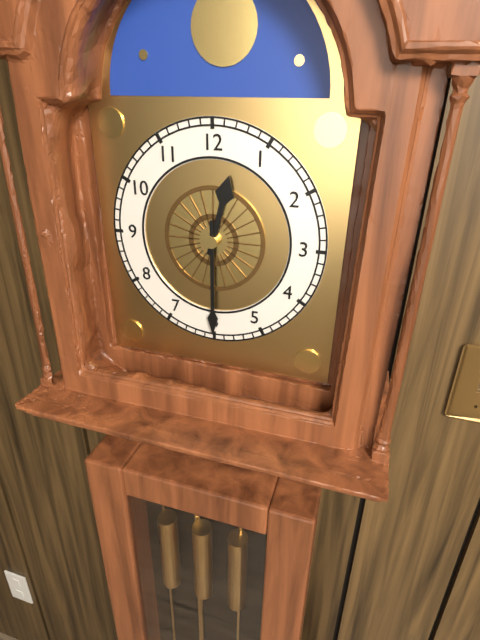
12:30
